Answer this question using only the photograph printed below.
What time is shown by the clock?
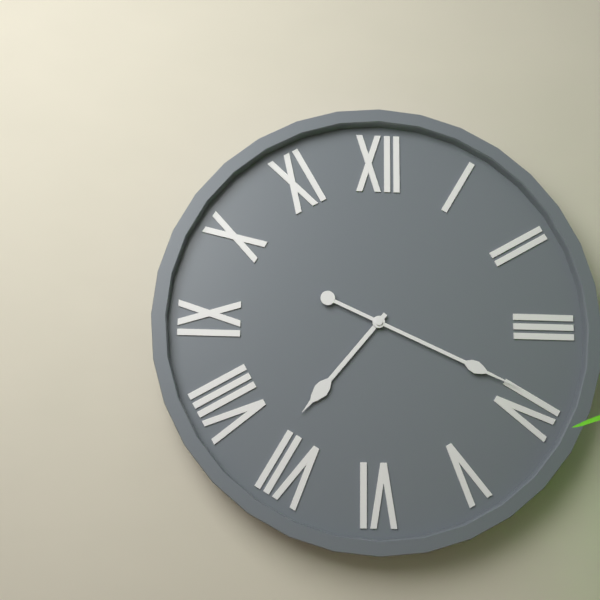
7:19
